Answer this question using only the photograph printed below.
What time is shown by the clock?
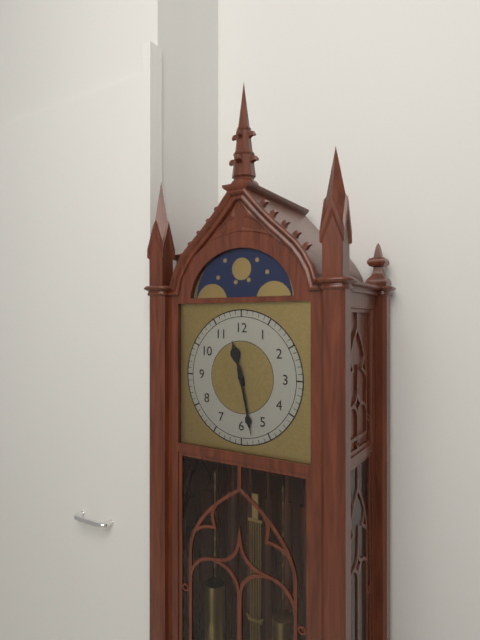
11:28
